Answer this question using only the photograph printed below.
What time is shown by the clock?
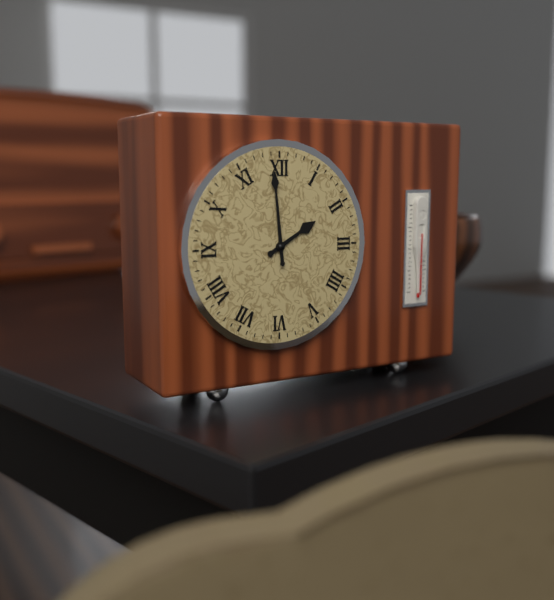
1:59
